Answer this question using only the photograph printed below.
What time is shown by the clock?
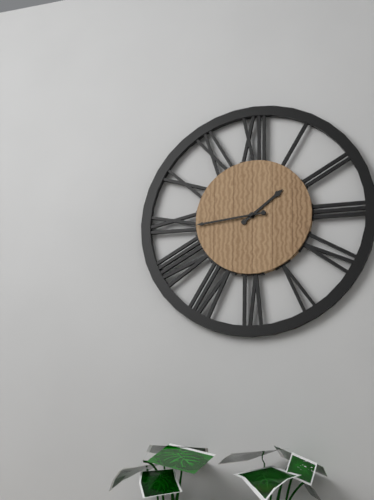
1:44
